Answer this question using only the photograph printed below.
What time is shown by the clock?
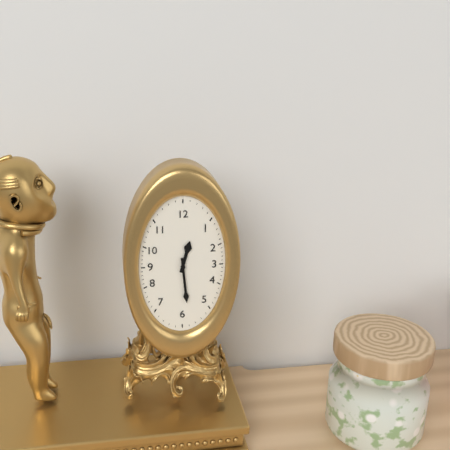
12:29
